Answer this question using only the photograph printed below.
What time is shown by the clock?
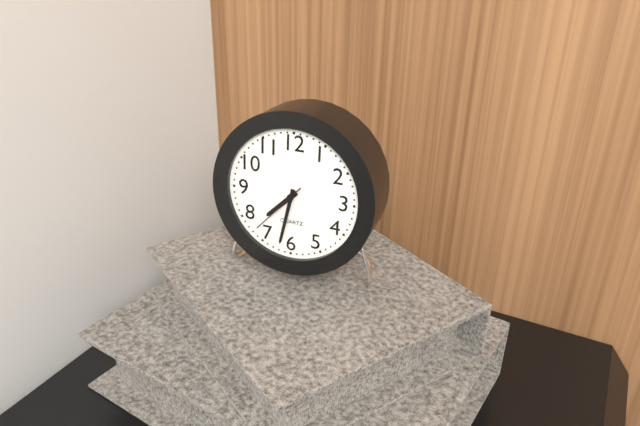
7:32:37
